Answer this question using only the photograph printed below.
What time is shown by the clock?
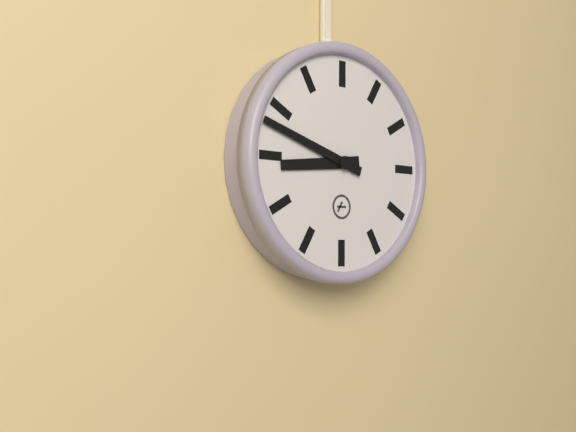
8:48
